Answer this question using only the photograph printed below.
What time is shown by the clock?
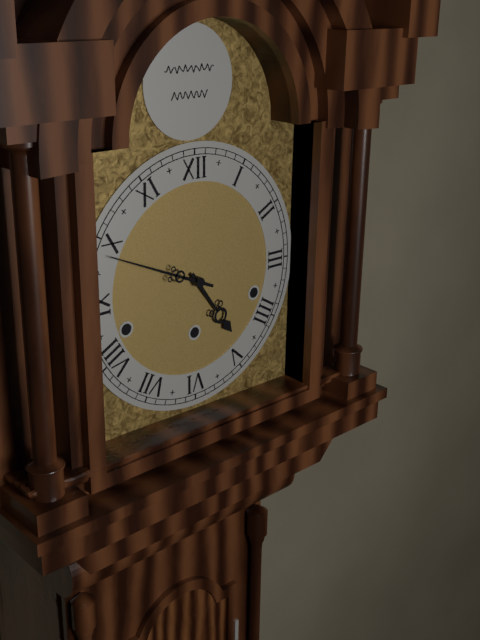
4:49
